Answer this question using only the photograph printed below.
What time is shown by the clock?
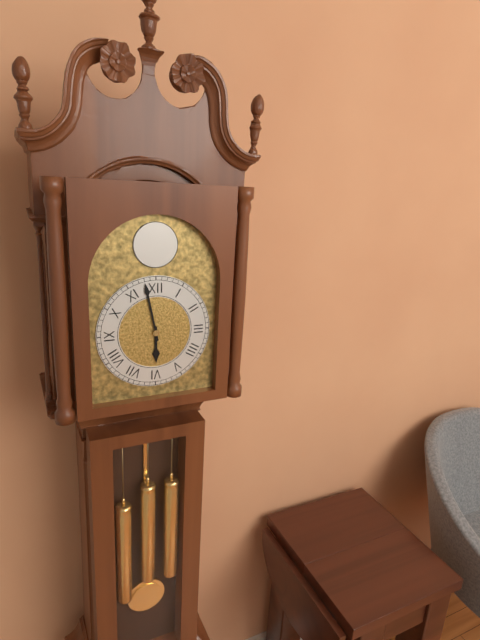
5:58
